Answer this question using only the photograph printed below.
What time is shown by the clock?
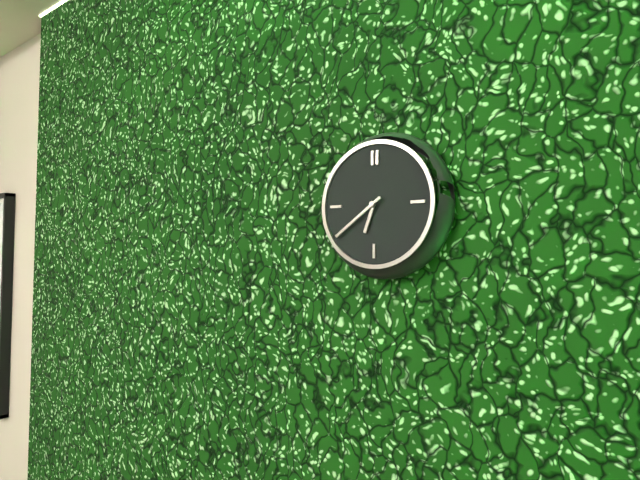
6:39
